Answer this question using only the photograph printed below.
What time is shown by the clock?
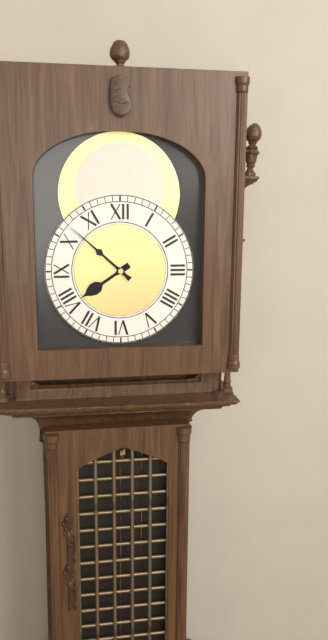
7:52
